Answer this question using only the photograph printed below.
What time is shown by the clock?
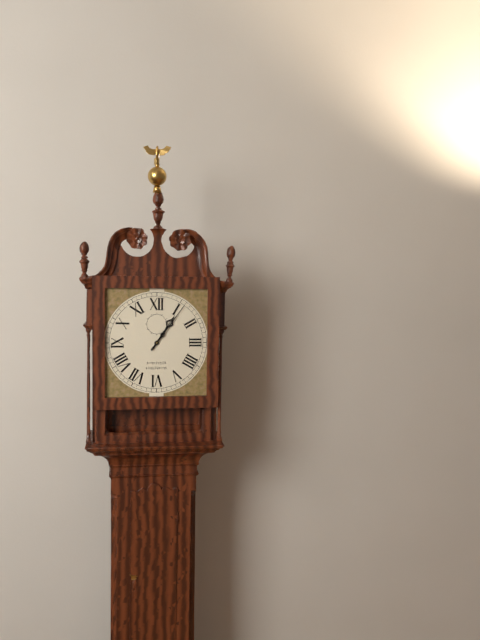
1:06
